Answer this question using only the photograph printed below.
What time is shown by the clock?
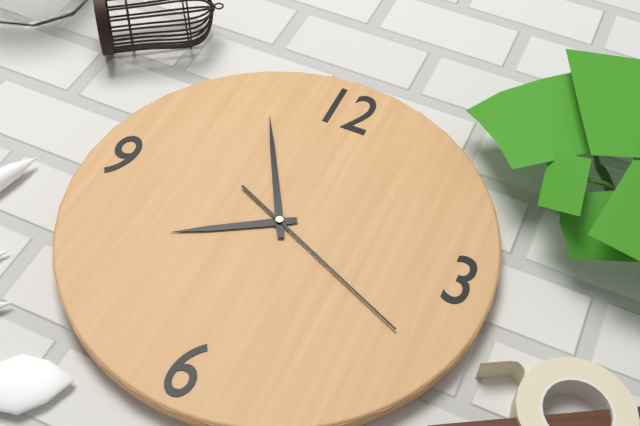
7:55:19
